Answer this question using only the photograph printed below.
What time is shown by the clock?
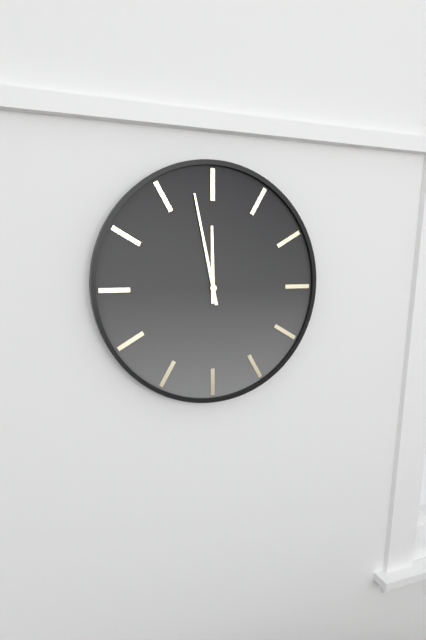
11:58
